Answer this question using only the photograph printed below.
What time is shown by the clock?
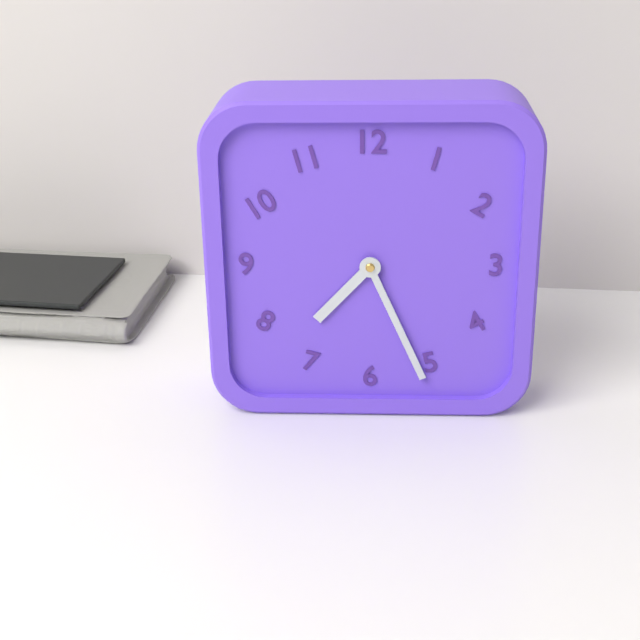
7:26
